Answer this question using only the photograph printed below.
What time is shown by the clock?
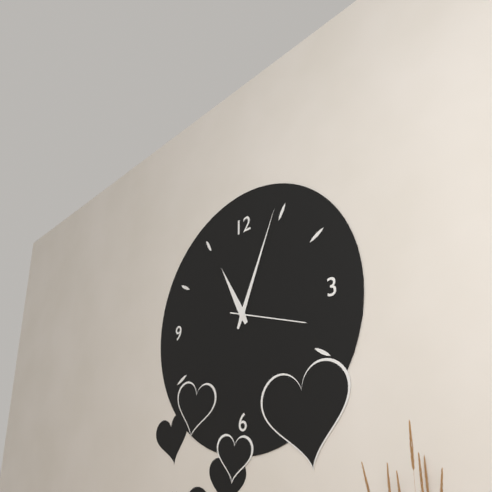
11:04:18
